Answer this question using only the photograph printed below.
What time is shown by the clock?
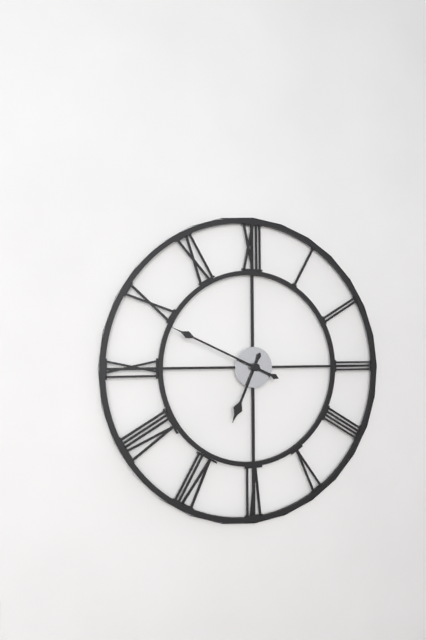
6:49
